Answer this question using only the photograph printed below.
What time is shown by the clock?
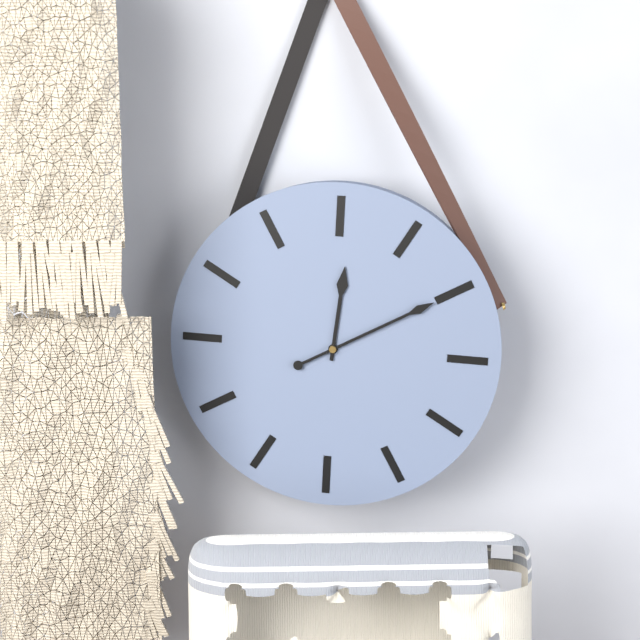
12:10
